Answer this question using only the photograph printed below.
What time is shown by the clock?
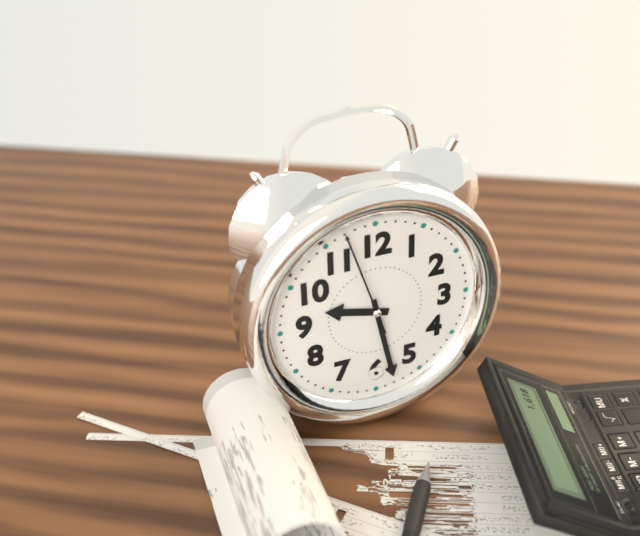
9:28:57
